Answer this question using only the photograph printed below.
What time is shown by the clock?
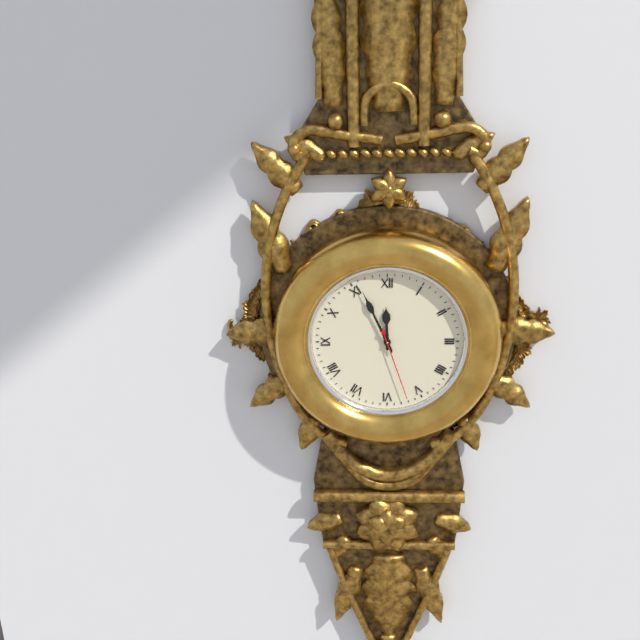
11:56:27
